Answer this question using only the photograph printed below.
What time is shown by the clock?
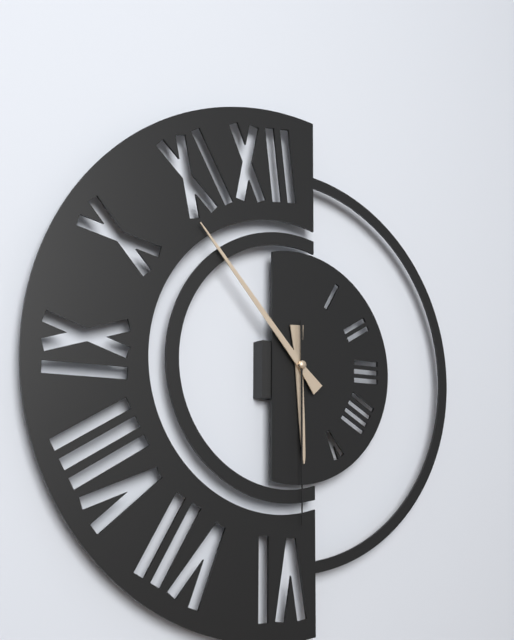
5:53:30
